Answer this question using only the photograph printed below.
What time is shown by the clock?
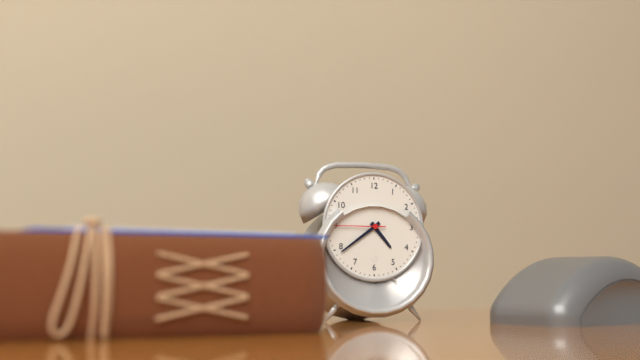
4:39:45
